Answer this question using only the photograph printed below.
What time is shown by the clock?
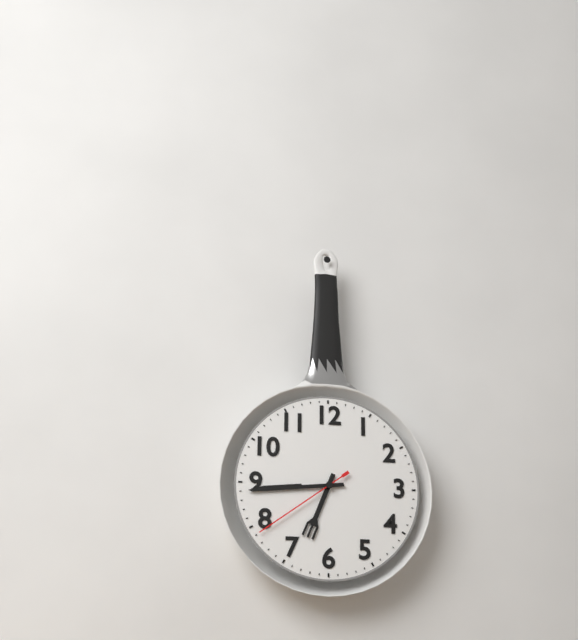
6:44:39
